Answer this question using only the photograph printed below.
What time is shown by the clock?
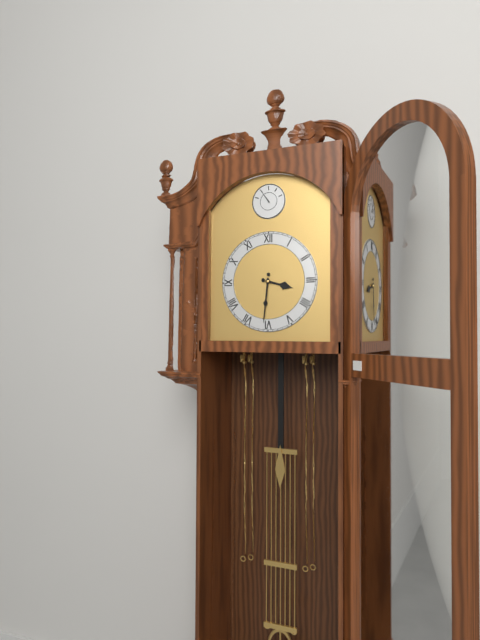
3:31
